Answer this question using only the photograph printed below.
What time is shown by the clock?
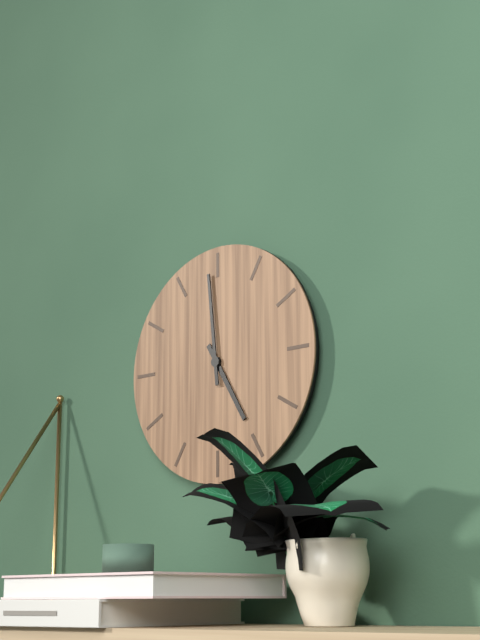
4:59
